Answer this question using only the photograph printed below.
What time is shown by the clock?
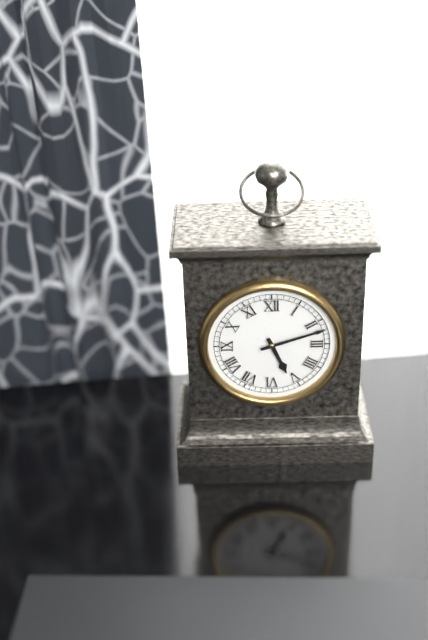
5:12
